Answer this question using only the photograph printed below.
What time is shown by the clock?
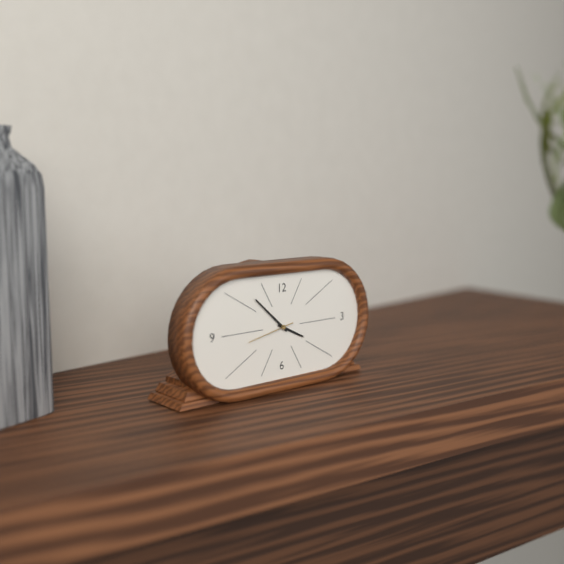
3:52
